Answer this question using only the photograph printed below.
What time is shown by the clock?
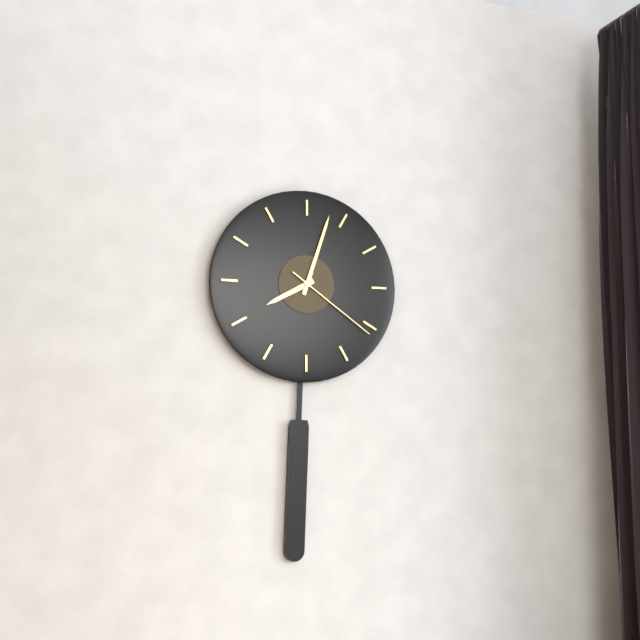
8:03:21
